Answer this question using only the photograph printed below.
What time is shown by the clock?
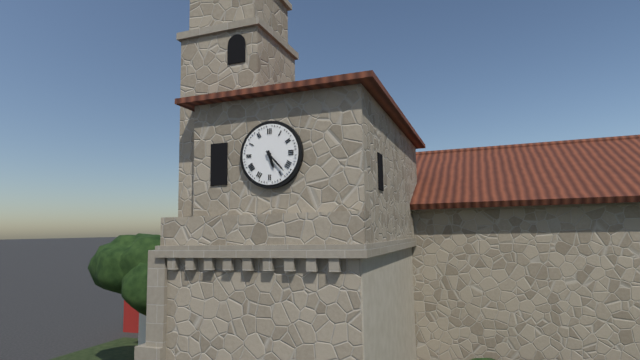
5:23
